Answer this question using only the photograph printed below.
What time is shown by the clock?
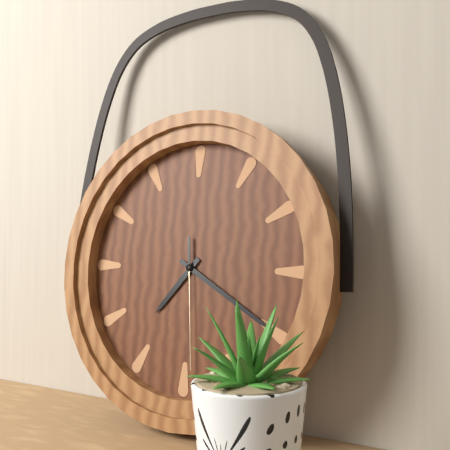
7:20:29
